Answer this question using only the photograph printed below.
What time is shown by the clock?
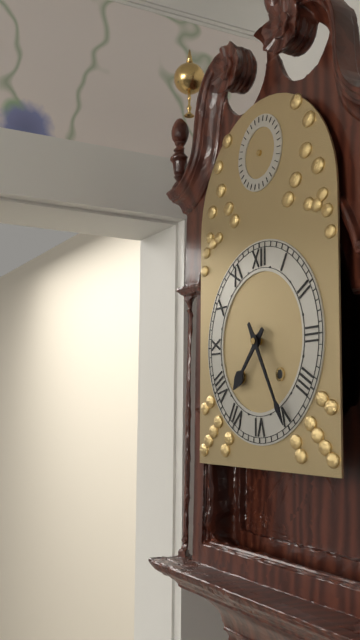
7:25
